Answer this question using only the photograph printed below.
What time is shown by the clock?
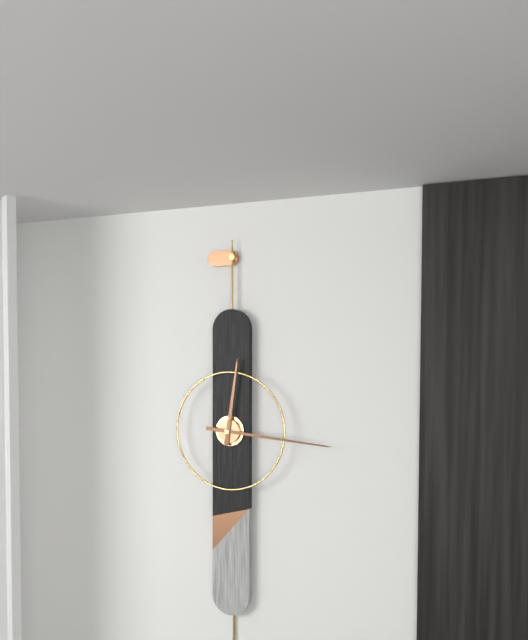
12:16
